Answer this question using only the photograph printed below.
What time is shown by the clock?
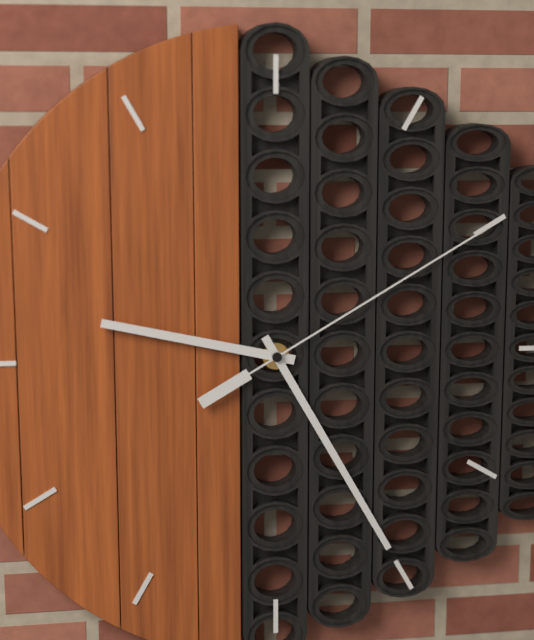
9:25:10
